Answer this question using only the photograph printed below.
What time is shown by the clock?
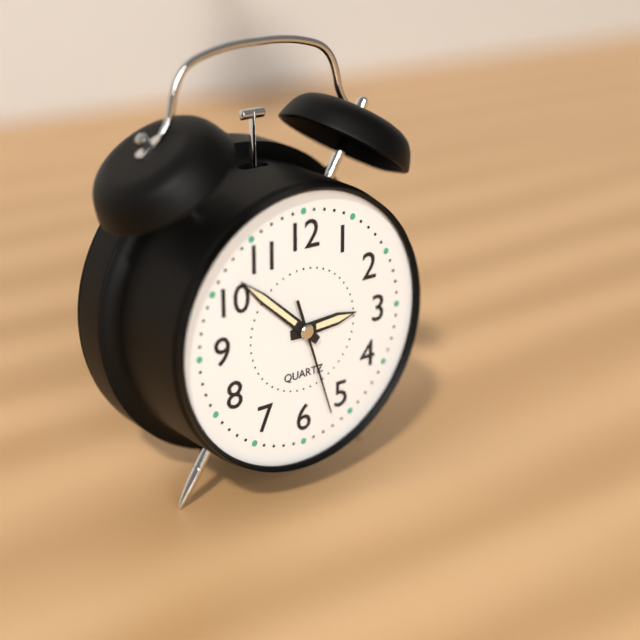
2:52:27
